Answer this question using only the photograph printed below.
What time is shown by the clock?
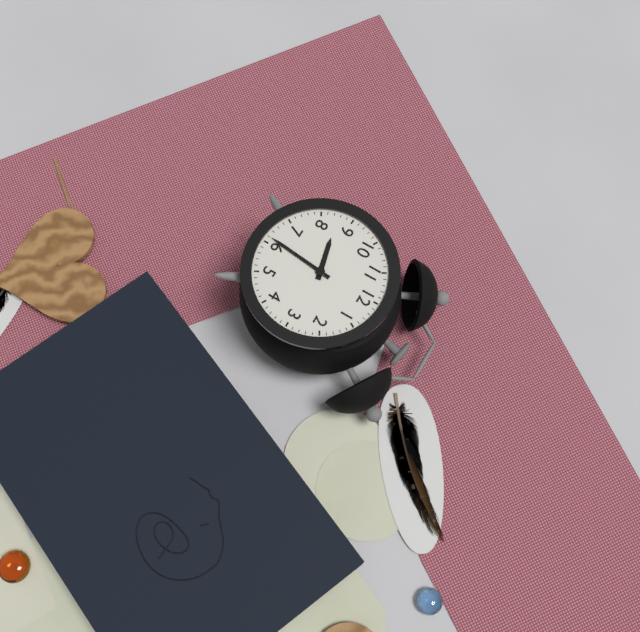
8:31
